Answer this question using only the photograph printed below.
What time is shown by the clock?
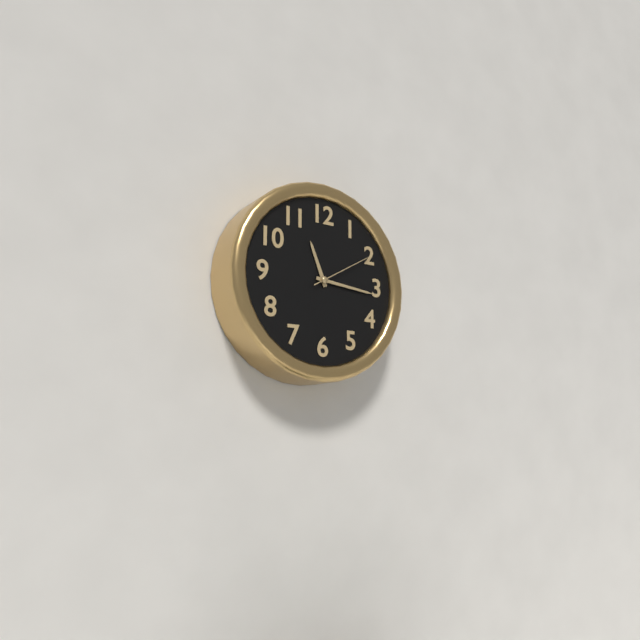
11:16:10
